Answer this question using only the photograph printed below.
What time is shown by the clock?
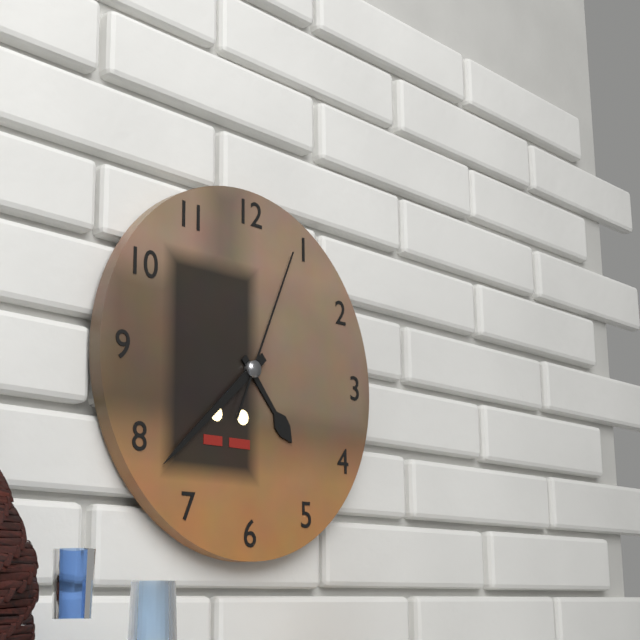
4:38:04
